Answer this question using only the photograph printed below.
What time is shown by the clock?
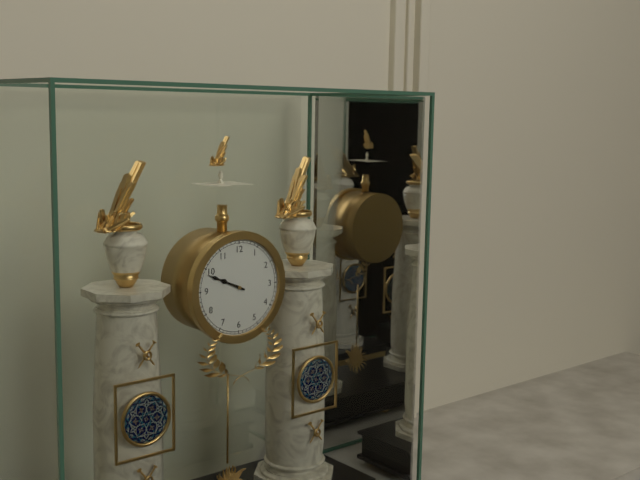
9:49
